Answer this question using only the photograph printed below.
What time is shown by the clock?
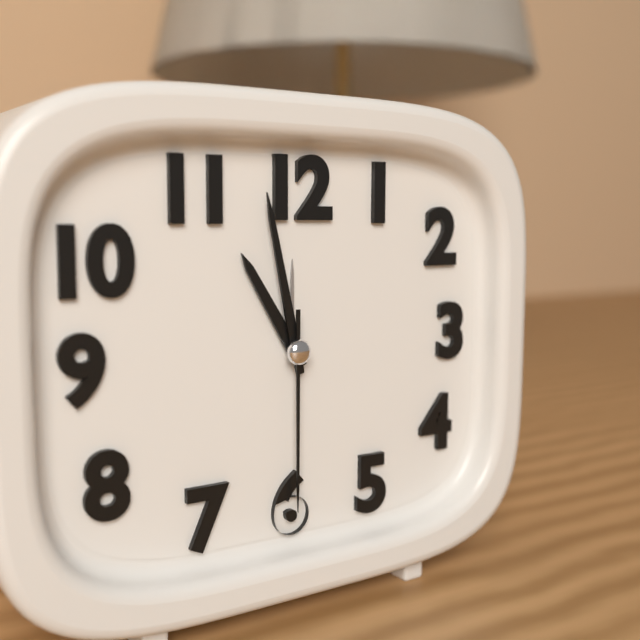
10:58:30
